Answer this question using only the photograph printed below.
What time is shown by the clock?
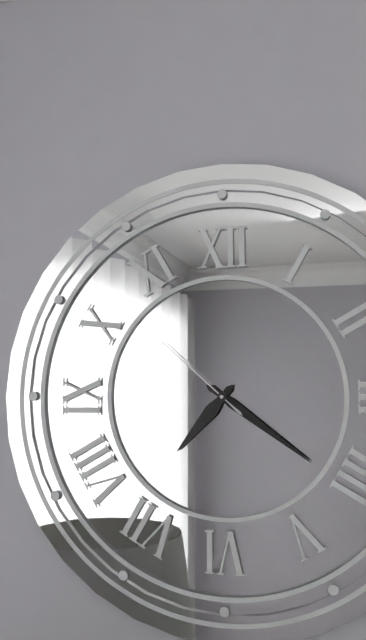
7:21:52
